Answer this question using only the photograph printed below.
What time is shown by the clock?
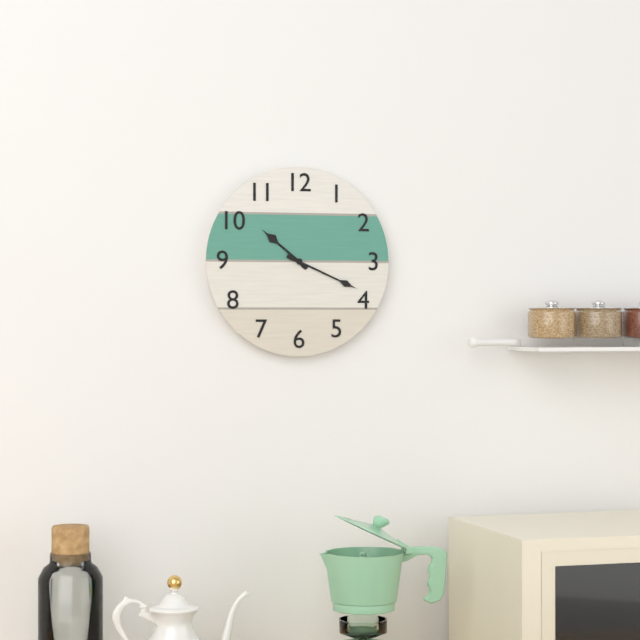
10:19
